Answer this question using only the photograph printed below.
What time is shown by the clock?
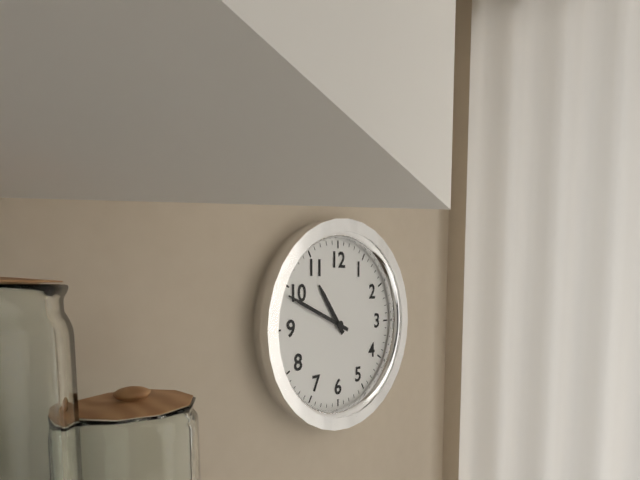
10:49
